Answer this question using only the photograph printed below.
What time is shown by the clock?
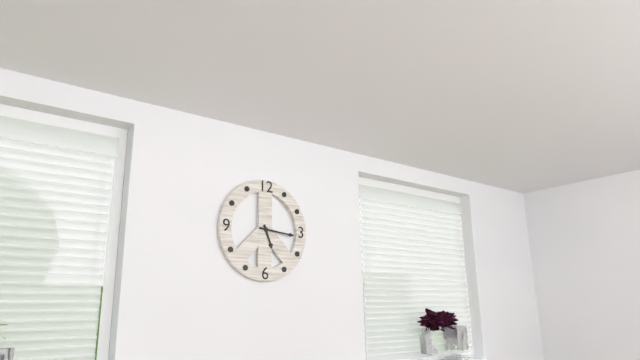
5:16
